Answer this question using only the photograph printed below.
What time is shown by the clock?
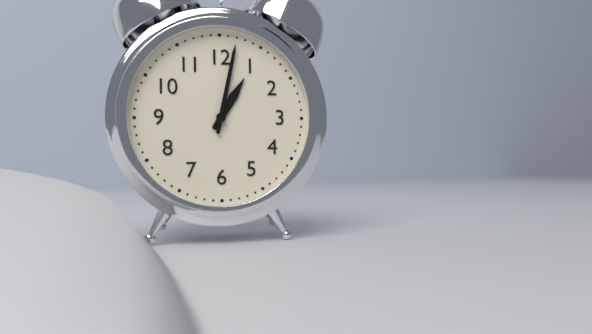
1:02
